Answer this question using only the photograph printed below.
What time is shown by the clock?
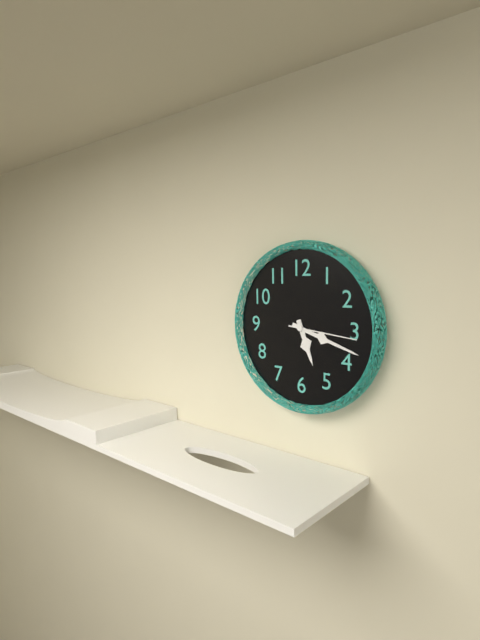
5:18:16
